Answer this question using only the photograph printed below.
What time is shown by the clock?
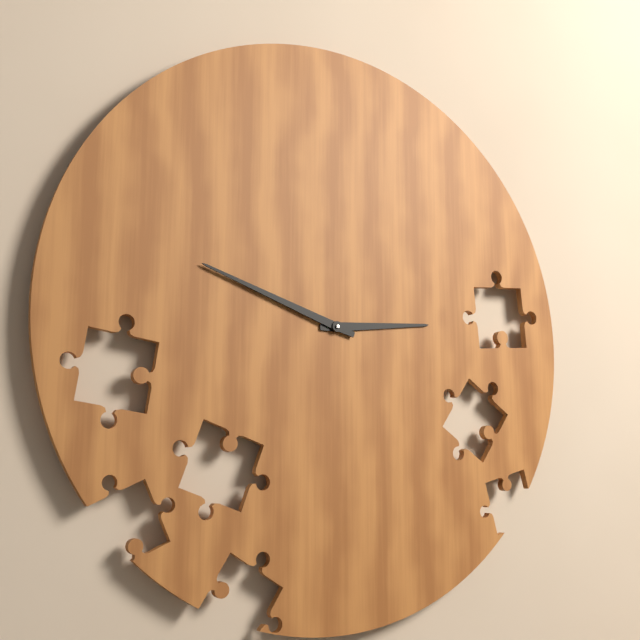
2:48
